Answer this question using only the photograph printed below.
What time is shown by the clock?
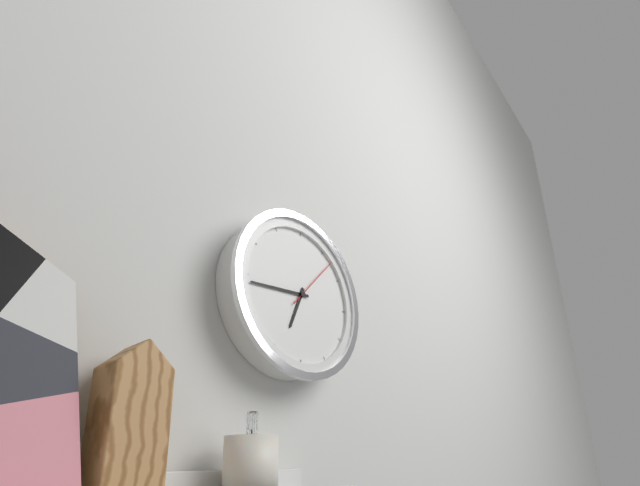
6:44:07
